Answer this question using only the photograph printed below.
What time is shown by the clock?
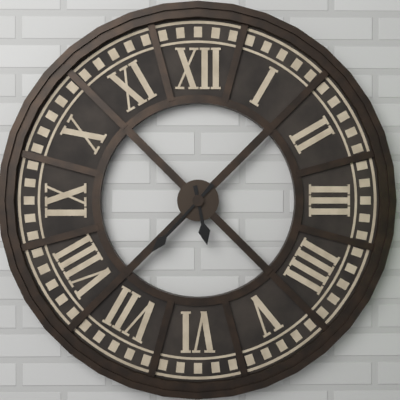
5:37
